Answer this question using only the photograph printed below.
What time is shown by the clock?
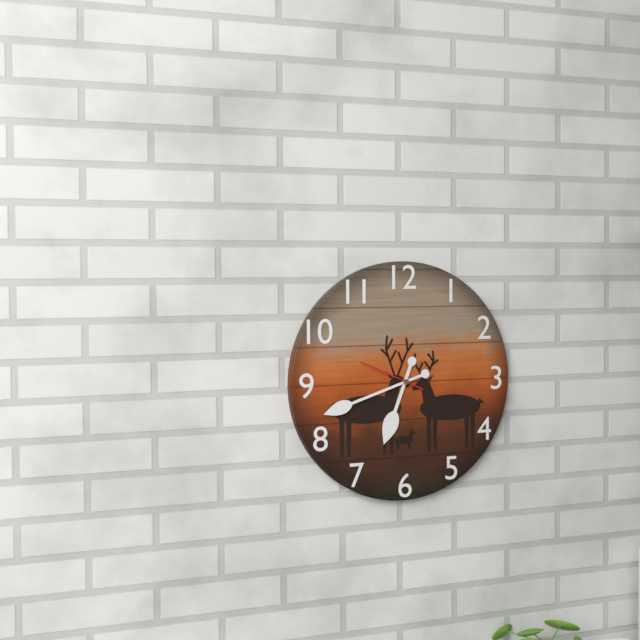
6:42:49
